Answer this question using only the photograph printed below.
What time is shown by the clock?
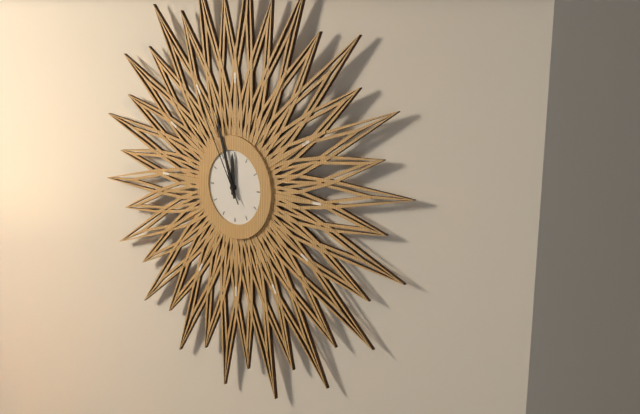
11:57:55
